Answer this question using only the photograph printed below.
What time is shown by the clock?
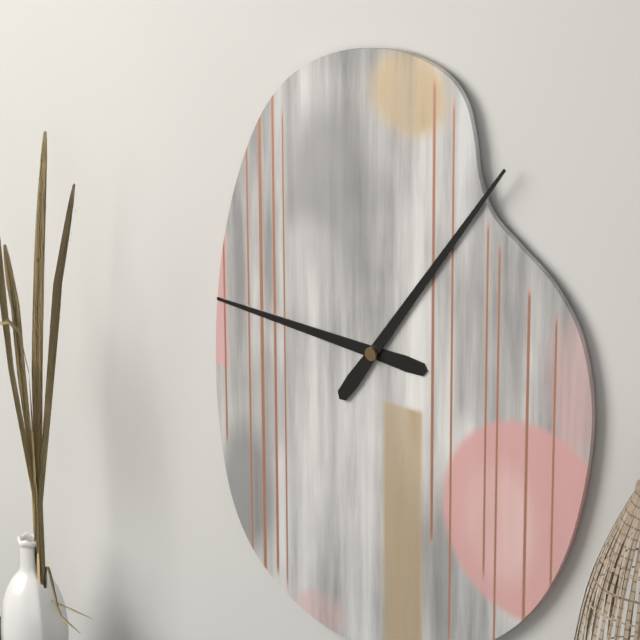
9:06
